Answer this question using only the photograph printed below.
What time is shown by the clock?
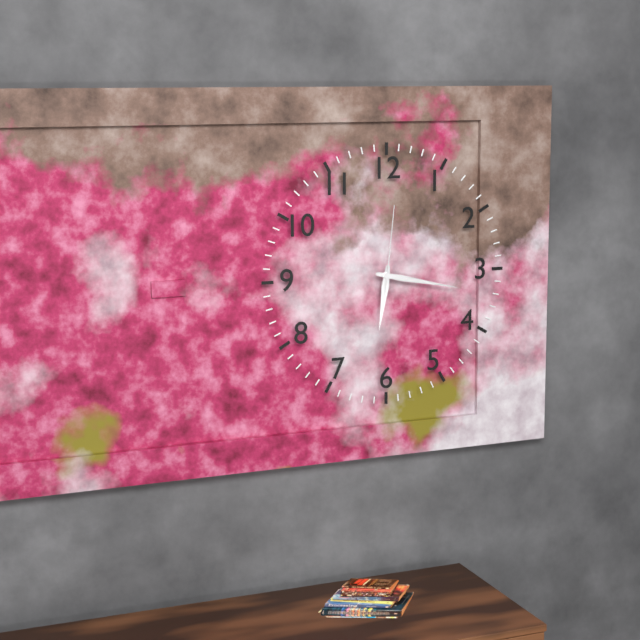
6:17:01
